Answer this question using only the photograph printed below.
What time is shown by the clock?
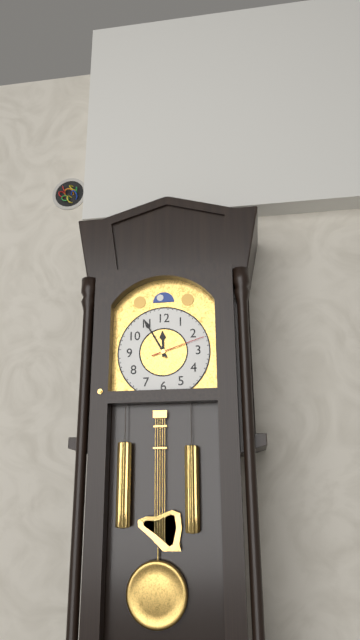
11:55:12
